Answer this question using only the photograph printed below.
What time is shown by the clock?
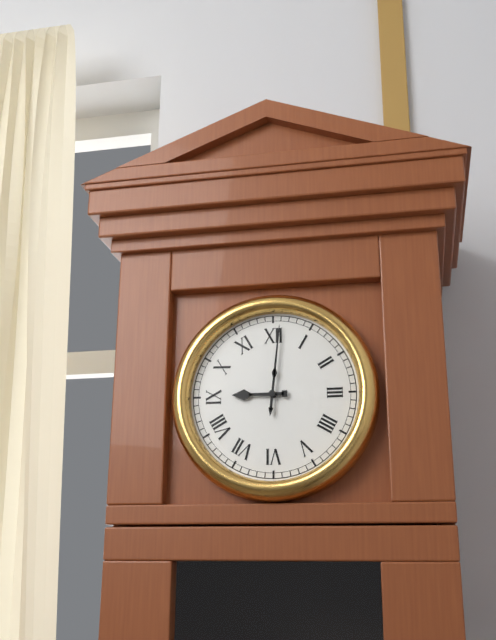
9:01
